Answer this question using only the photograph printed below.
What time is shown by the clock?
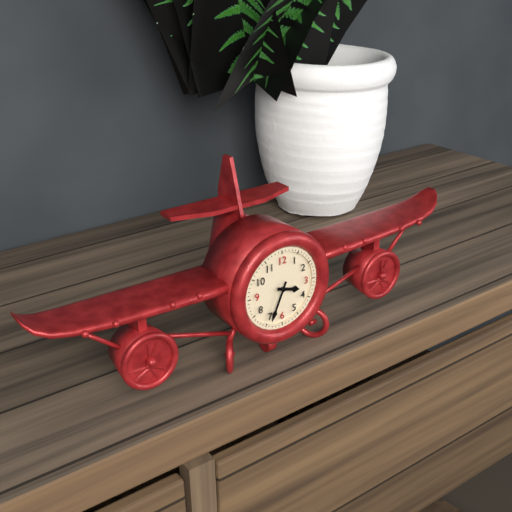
3:34
